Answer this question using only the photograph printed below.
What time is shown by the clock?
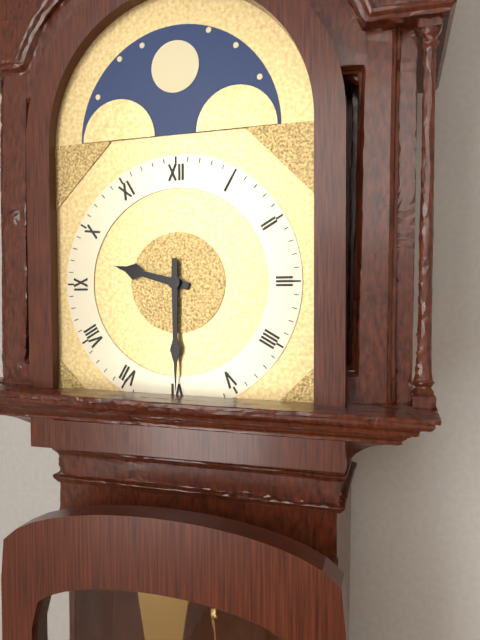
9:30
